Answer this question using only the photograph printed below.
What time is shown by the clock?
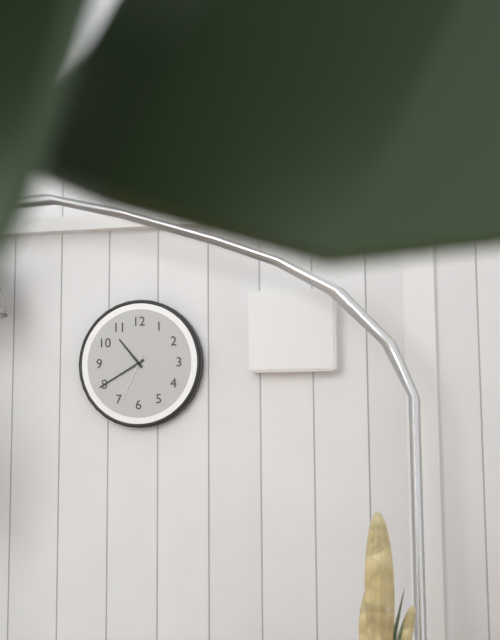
10:40:34
